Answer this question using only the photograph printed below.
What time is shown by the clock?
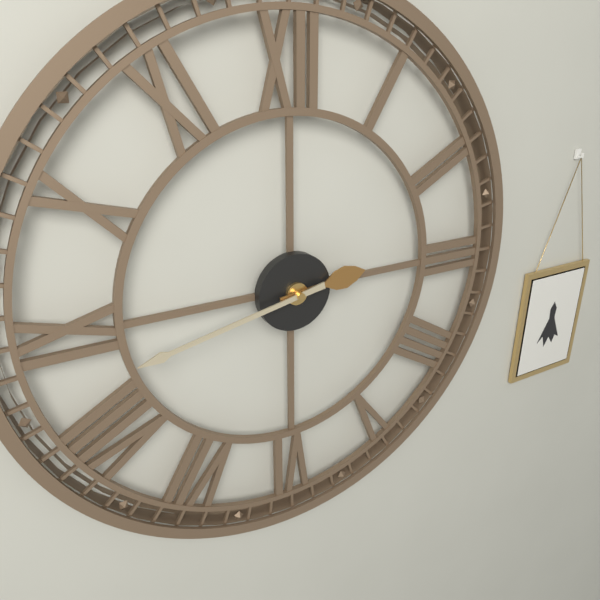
2:43
